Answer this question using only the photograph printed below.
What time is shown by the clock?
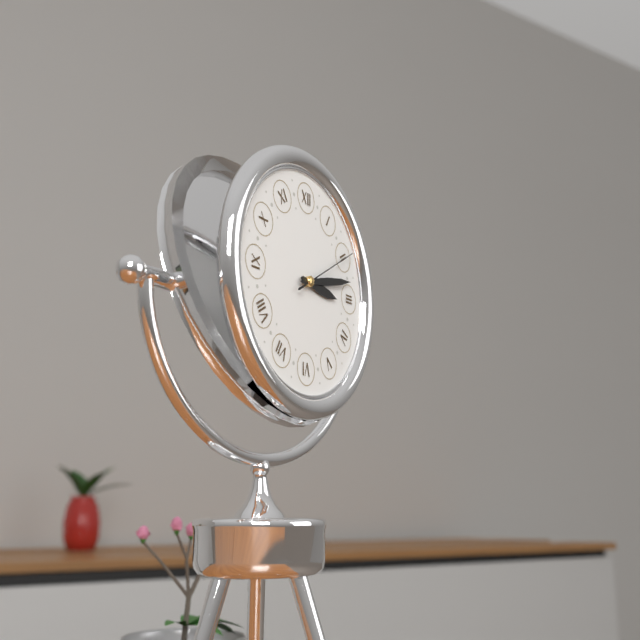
3:13:10
